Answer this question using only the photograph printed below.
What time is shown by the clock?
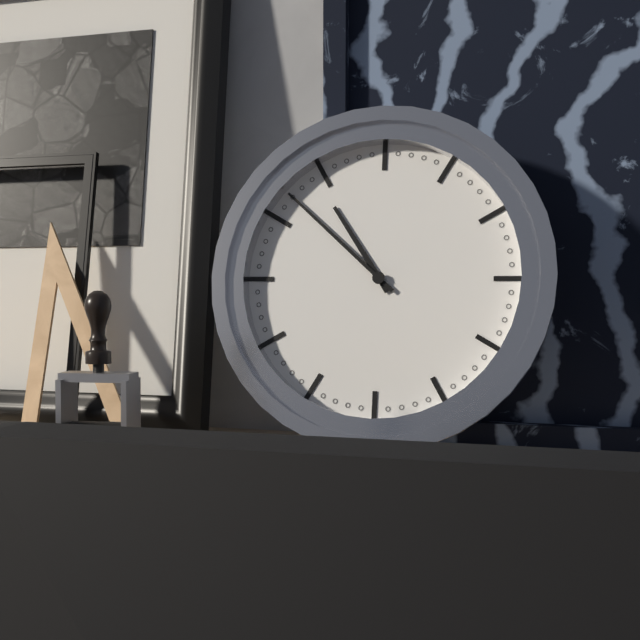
10:52
